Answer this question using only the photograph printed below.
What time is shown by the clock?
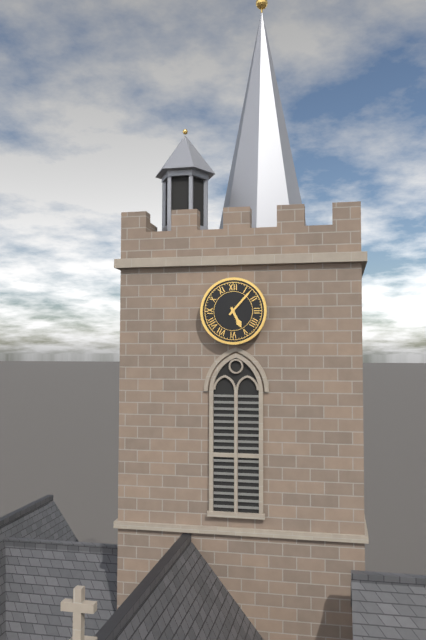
5:07
